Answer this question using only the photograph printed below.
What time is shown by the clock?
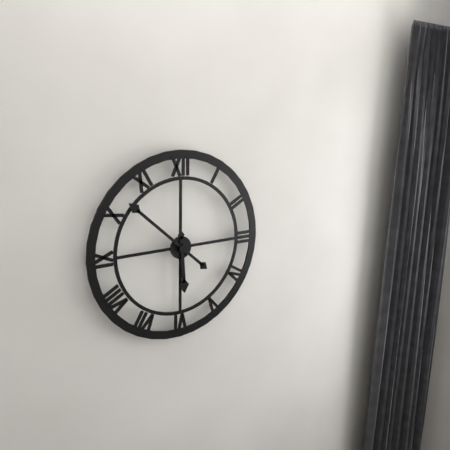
5:52
